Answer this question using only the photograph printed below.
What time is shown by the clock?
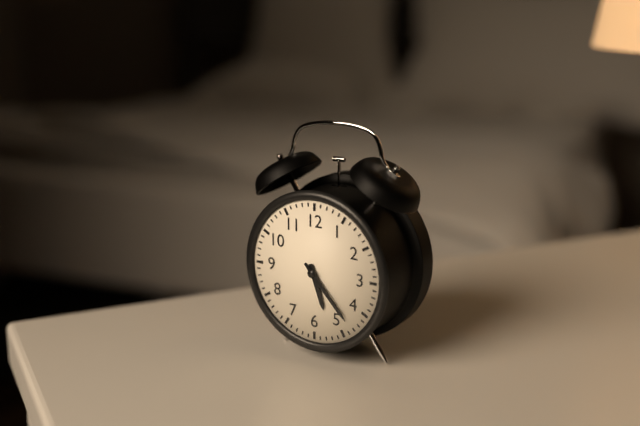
5:23
